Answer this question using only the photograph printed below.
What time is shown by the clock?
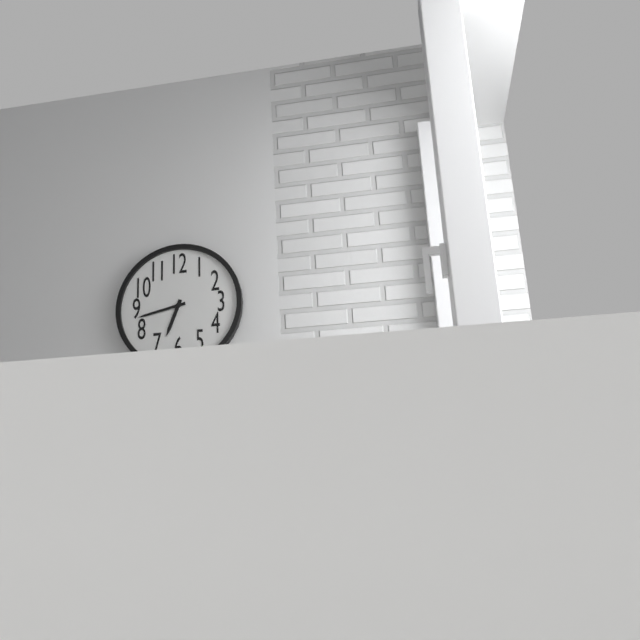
6:43
